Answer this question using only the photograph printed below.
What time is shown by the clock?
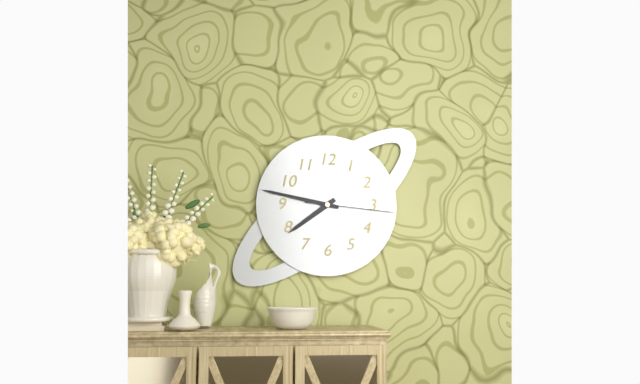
7:47:16
